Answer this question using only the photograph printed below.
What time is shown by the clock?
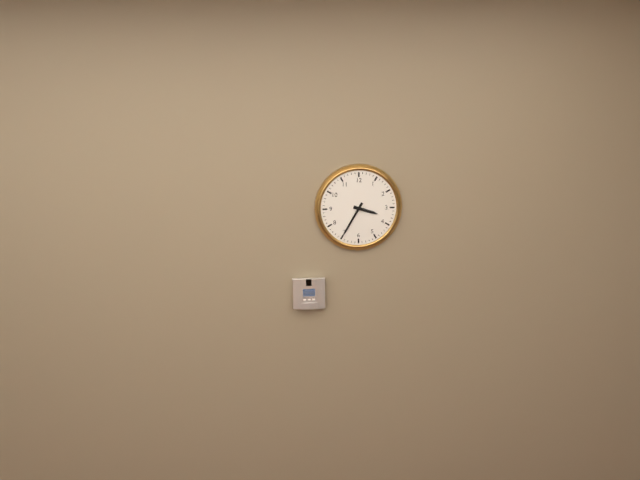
3:35
